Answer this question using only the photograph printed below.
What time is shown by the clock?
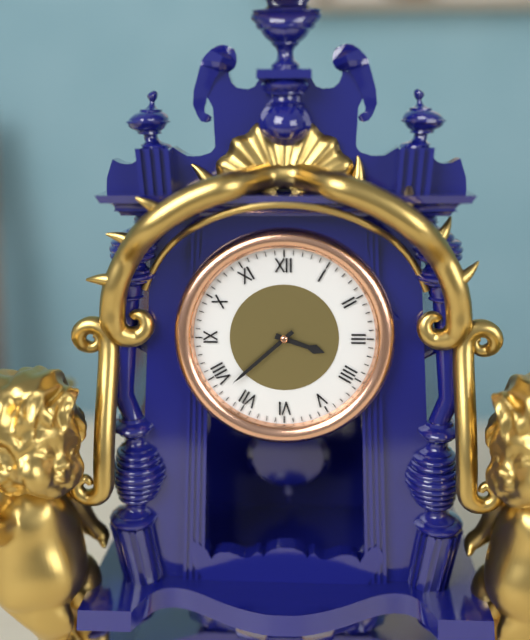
3:38
